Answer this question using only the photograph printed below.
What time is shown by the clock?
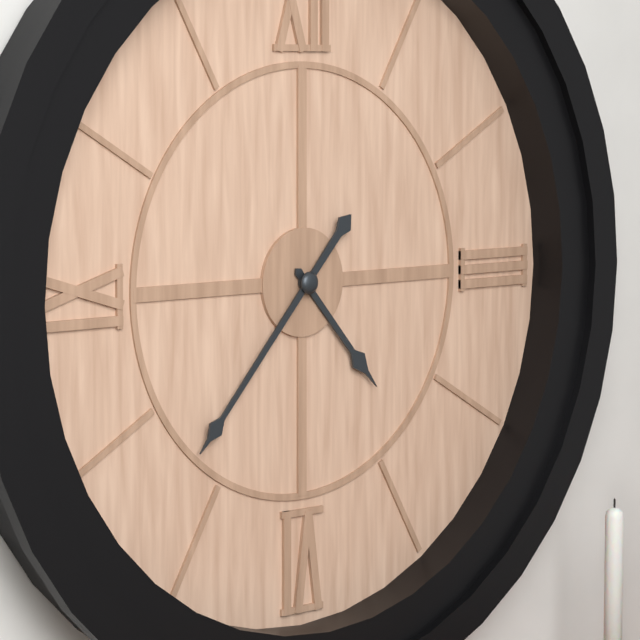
4:37
